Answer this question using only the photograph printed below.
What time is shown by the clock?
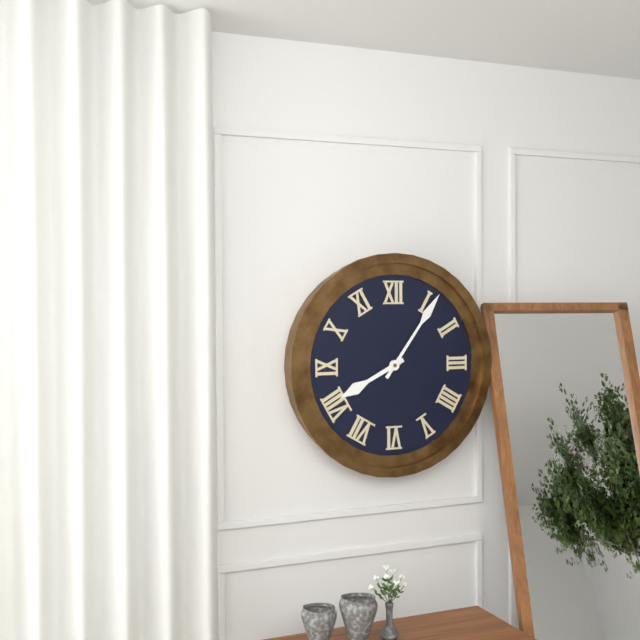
8:06
